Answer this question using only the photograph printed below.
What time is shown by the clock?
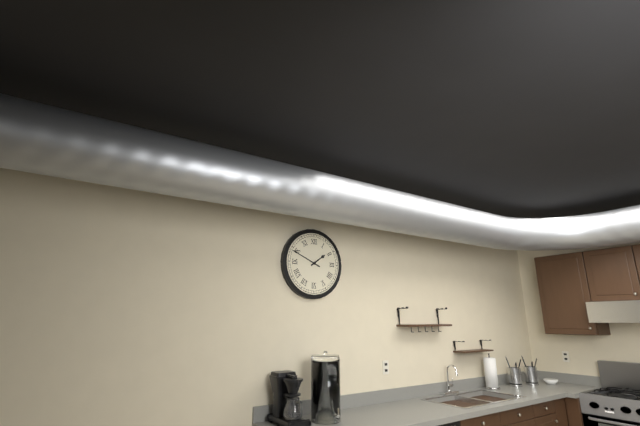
1:49
